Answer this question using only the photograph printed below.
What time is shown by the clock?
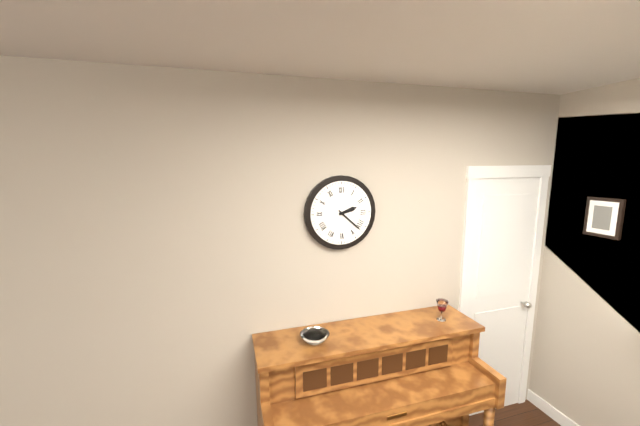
2:22
